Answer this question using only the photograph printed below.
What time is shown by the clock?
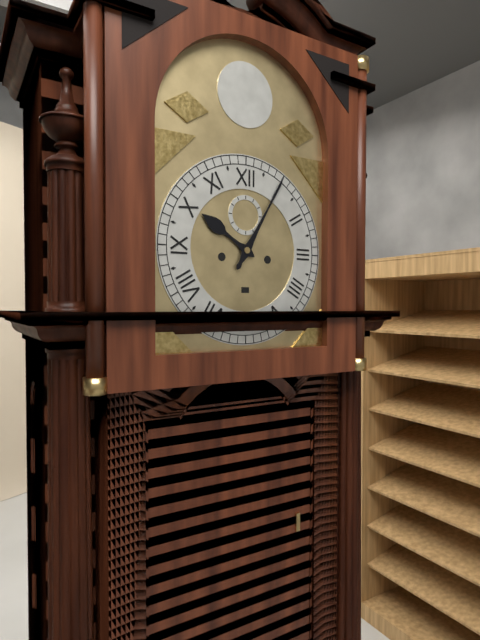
10:05
